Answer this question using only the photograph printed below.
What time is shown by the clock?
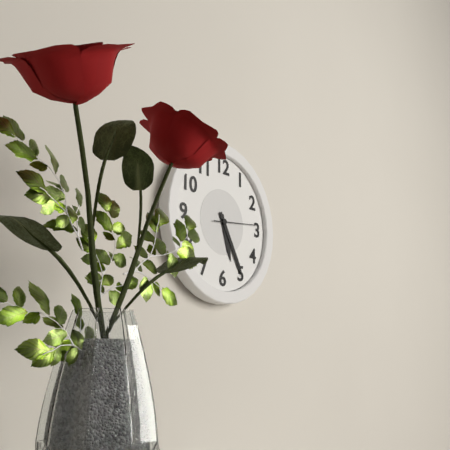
5:25
